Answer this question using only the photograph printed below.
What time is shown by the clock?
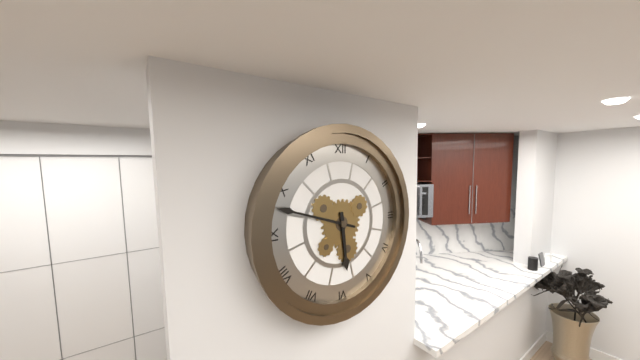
5:48
